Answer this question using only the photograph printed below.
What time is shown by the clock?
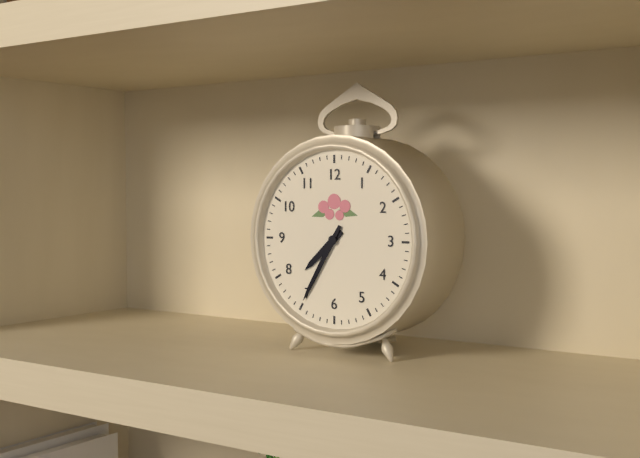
7:35
